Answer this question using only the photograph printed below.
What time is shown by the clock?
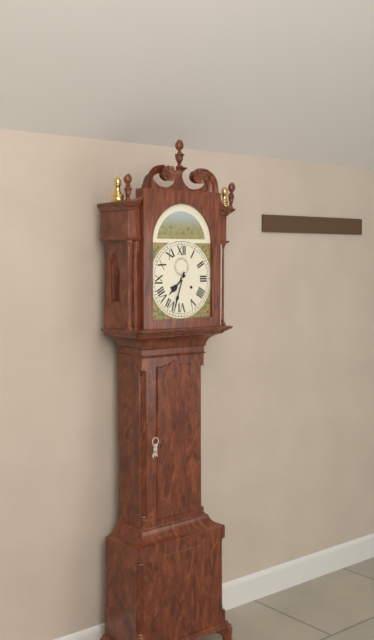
7:33
